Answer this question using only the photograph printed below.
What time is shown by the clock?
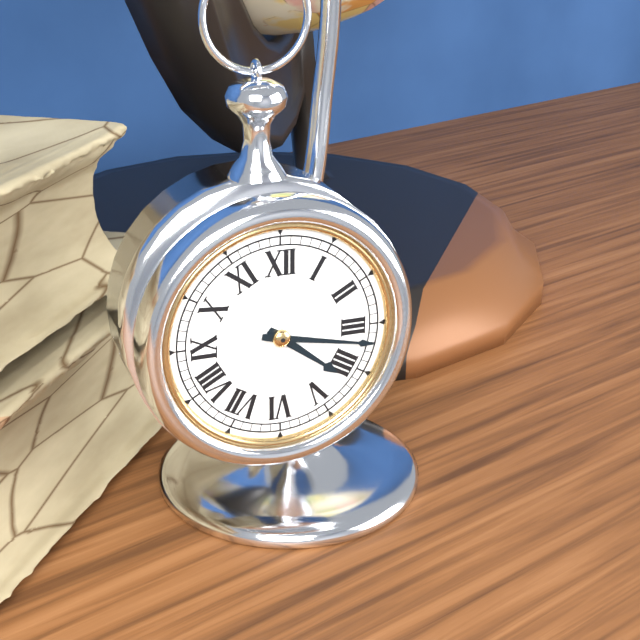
4:17
